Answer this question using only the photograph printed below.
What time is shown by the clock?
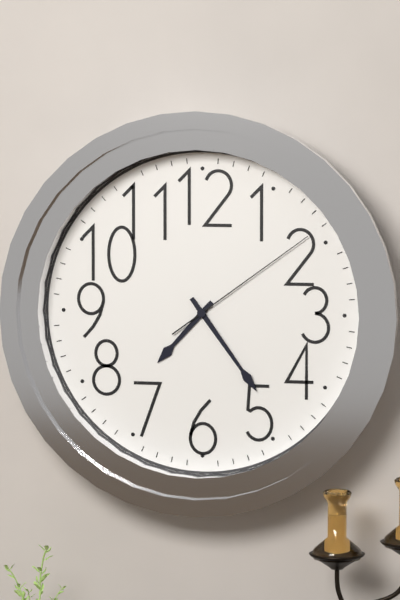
7:24:09
